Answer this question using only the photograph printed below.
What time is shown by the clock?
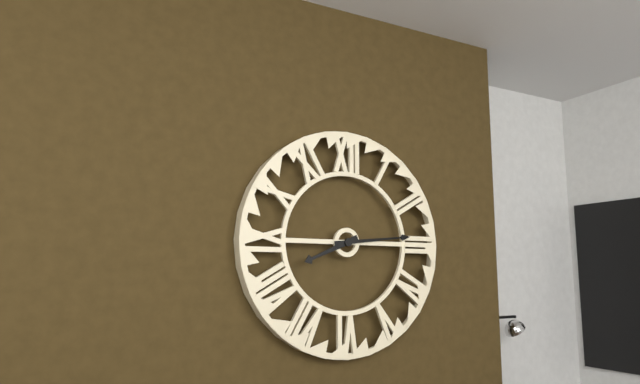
8:14
